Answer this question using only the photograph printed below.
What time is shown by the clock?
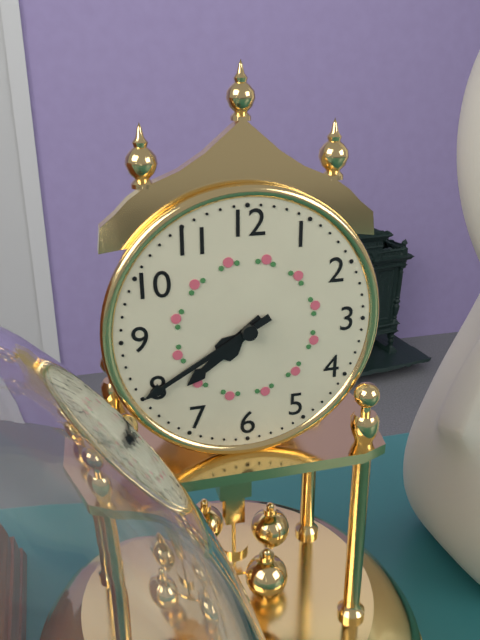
7:40
